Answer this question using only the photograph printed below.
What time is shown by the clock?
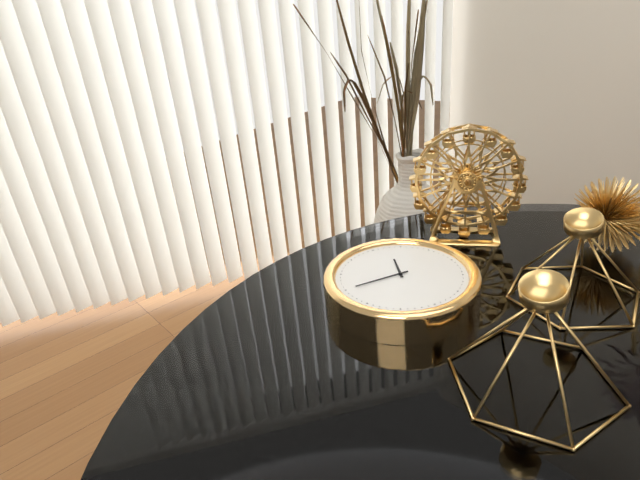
10:35
